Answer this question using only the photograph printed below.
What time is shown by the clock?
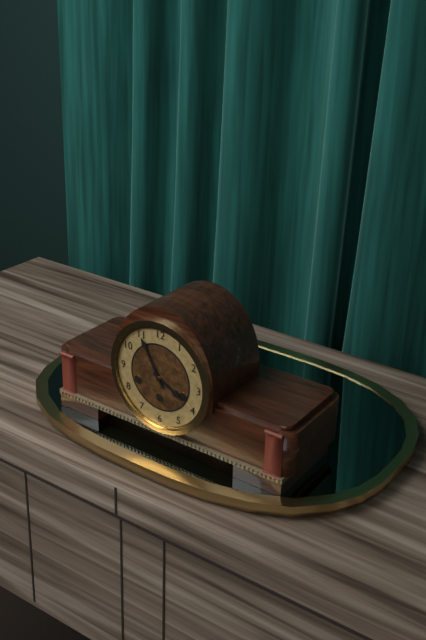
3:55
